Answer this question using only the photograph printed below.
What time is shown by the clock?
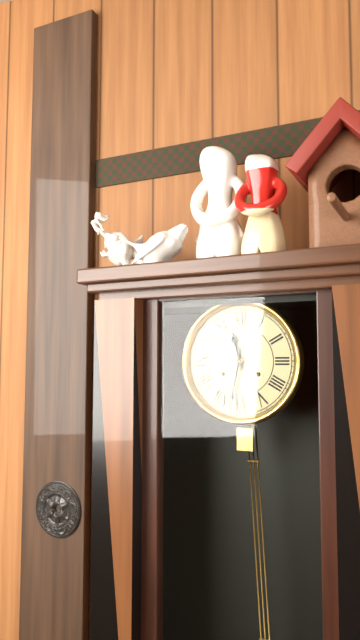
11:32
